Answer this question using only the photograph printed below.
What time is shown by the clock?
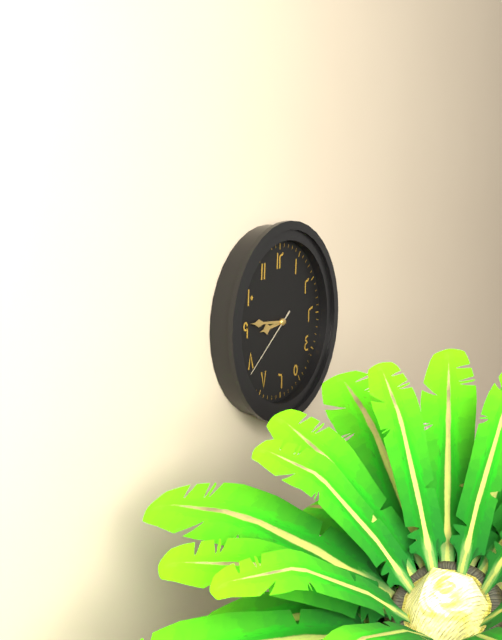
8:46:39
